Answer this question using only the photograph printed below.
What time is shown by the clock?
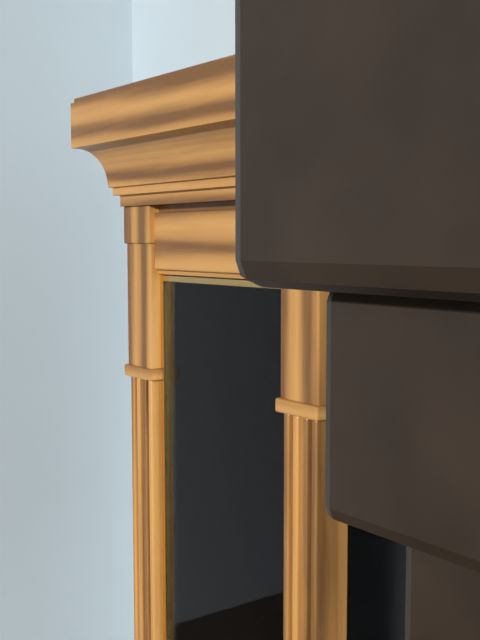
9:46
